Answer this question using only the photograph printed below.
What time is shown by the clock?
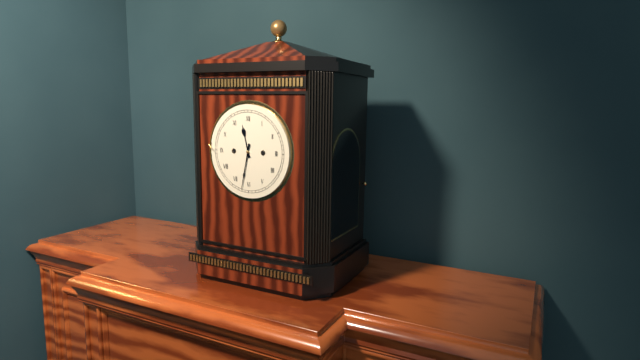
11:32
